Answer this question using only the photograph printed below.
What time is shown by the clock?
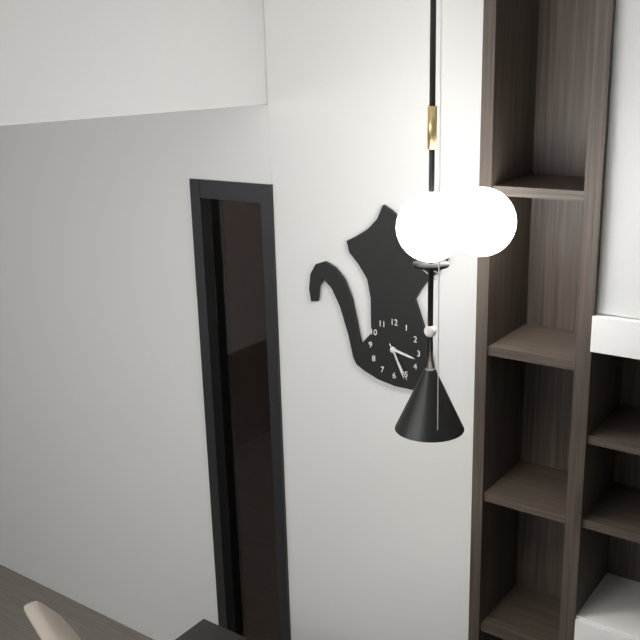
3:26
